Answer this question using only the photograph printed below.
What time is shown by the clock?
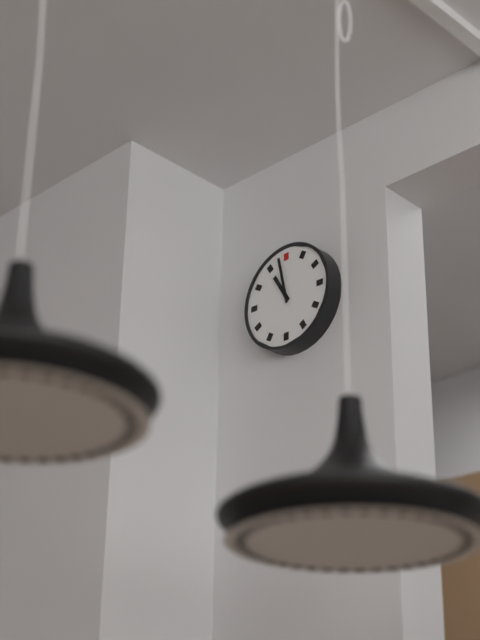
10:58
